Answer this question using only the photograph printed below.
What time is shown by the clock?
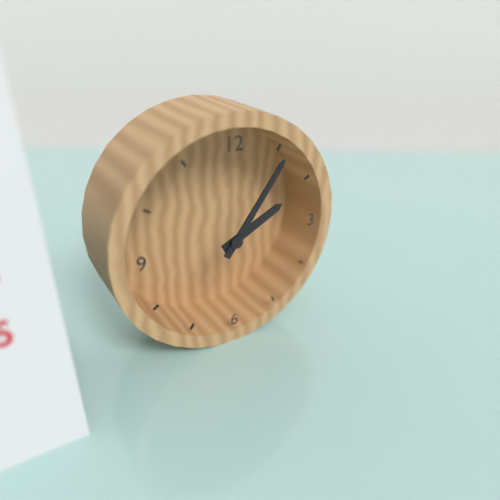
2:06
